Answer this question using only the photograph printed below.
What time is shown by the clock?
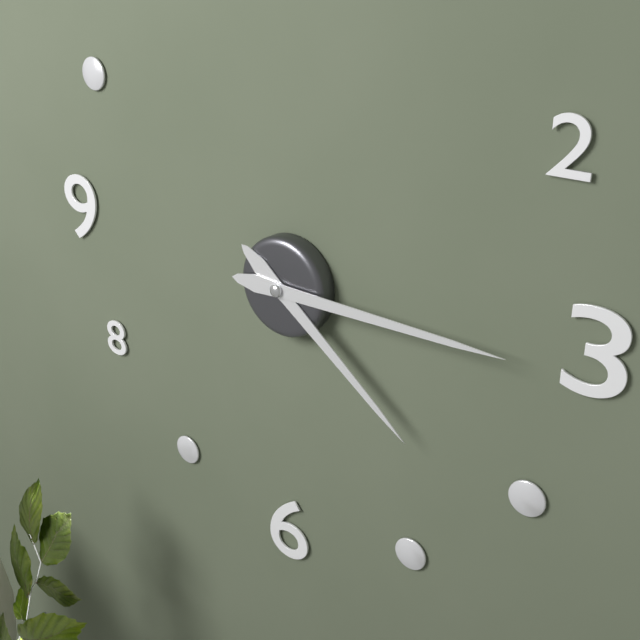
4:15
